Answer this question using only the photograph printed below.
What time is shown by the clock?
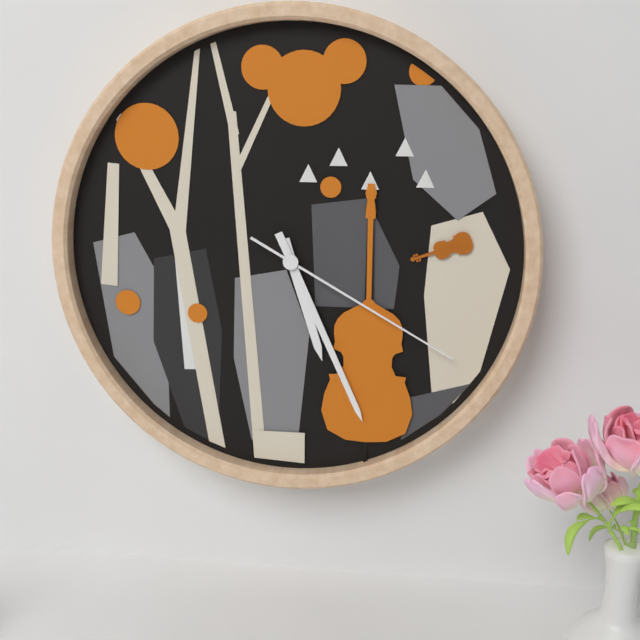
5:26:20
